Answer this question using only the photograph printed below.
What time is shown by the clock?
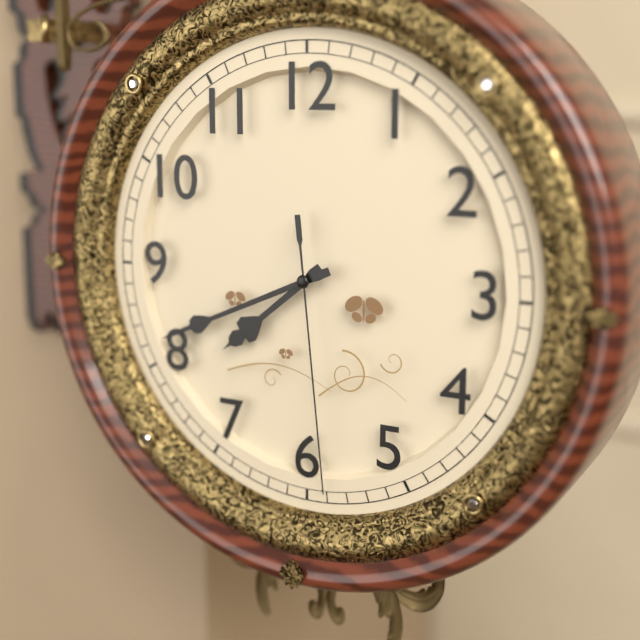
7:41:29
